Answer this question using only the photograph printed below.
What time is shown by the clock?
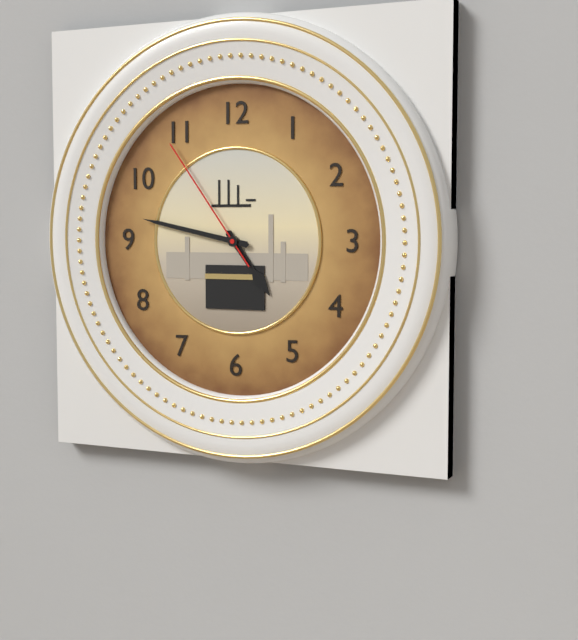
4:47:54
